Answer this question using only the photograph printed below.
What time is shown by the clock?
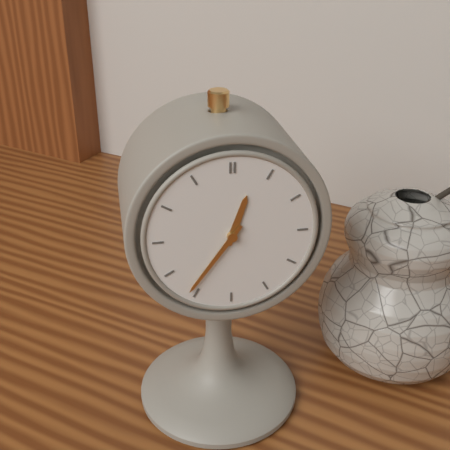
12:36
